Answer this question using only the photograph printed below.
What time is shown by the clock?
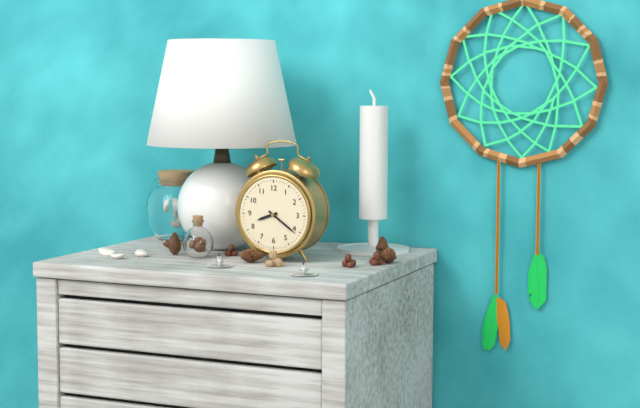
8:21
